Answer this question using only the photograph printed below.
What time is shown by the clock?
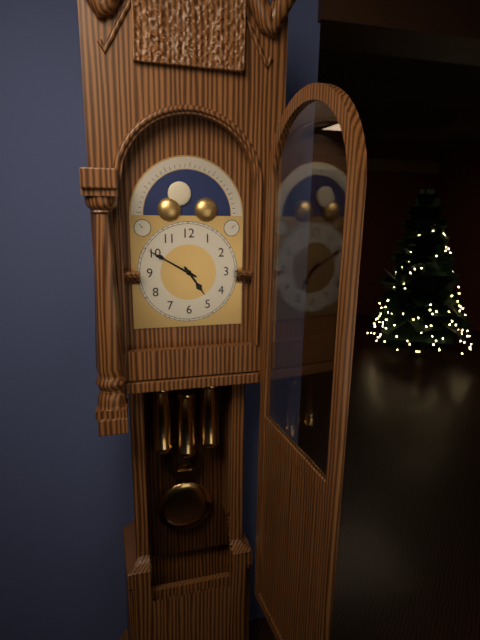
4:50
